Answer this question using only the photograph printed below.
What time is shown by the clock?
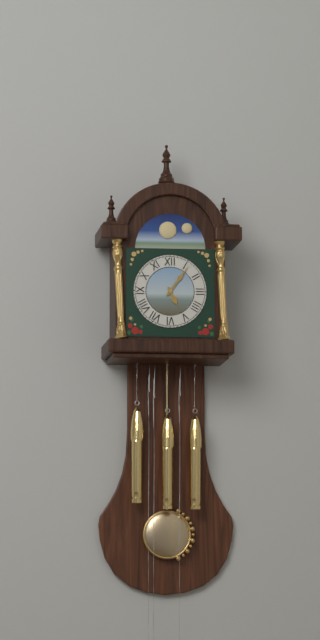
5:06
